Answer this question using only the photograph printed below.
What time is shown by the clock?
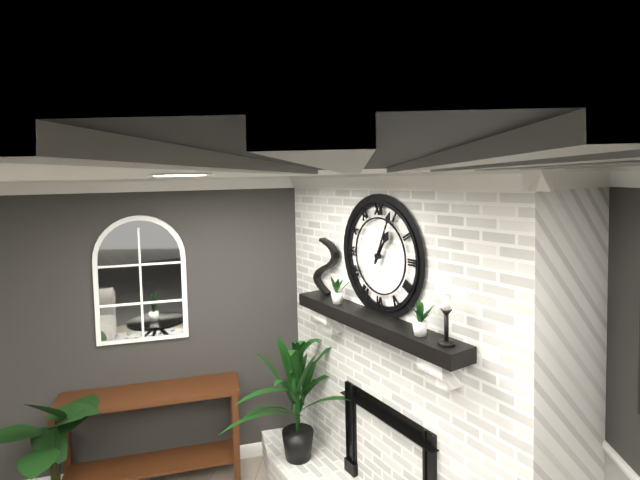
1:04
